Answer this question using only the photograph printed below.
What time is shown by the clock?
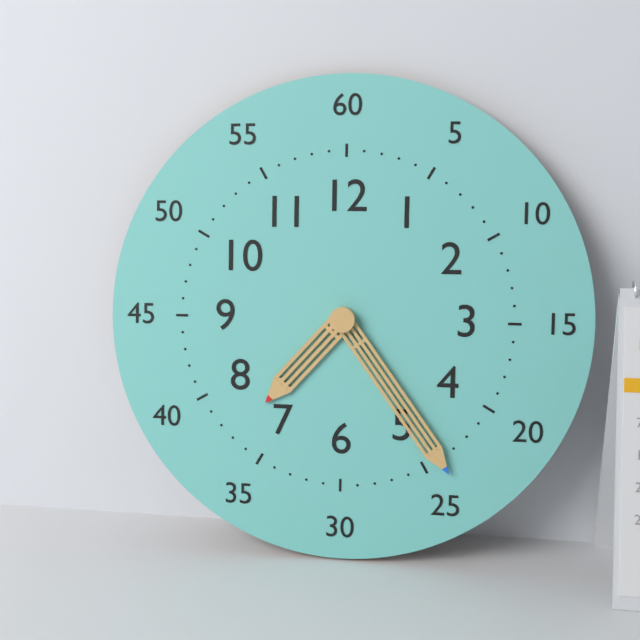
7:24
